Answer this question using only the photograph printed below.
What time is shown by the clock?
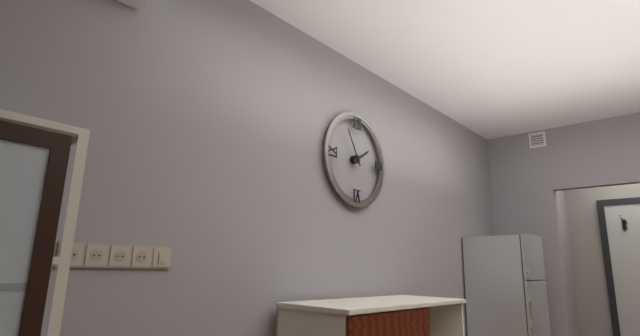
1:55
